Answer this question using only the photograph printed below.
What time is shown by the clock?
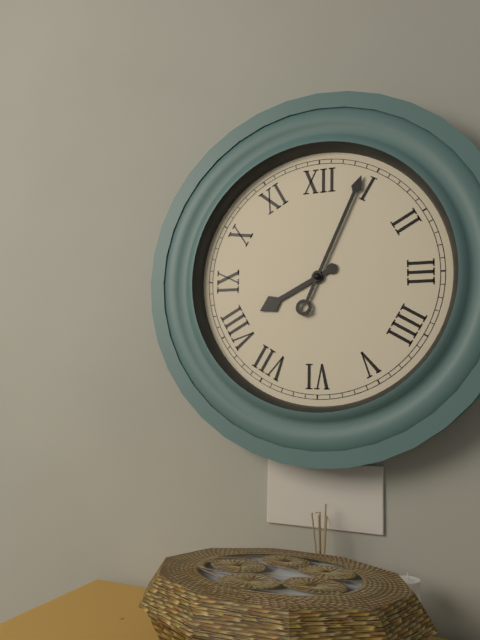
8:04
